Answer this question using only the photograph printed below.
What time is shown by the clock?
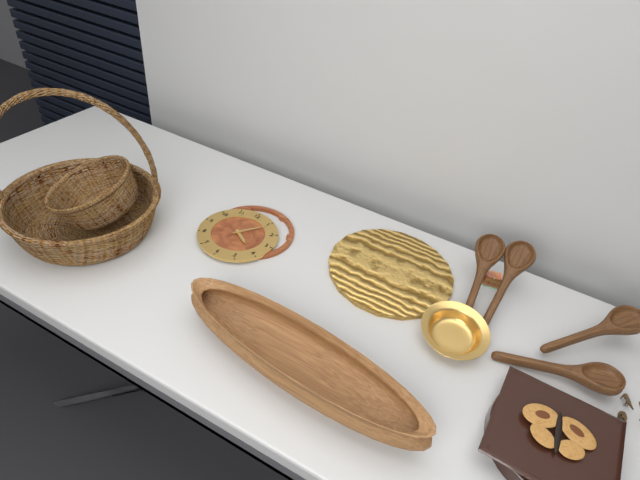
4:06
